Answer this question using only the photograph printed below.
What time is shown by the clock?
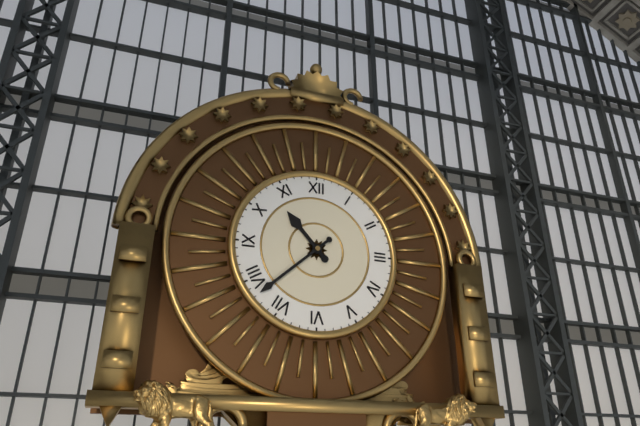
10:38
